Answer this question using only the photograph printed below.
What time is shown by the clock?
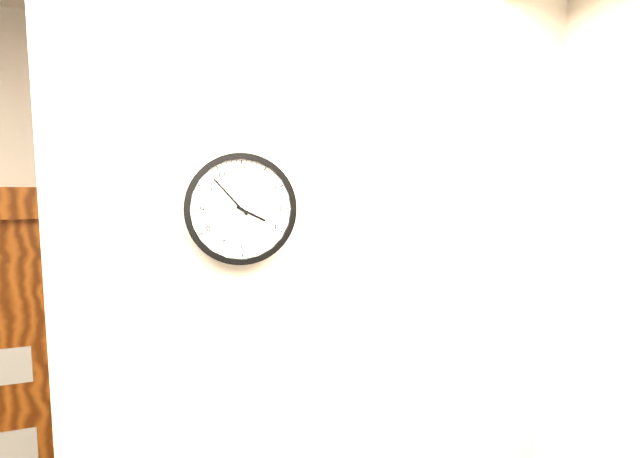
3:53
